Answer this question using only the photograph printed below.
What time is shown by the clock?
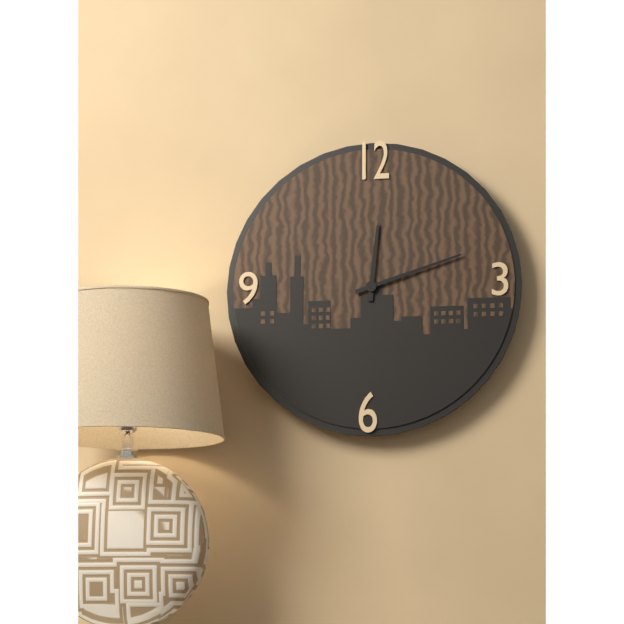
12:12
